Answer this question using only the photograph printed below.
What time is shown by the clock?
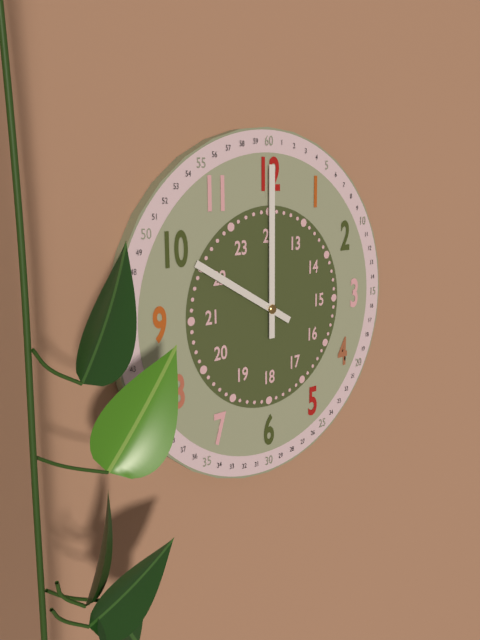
10:00
